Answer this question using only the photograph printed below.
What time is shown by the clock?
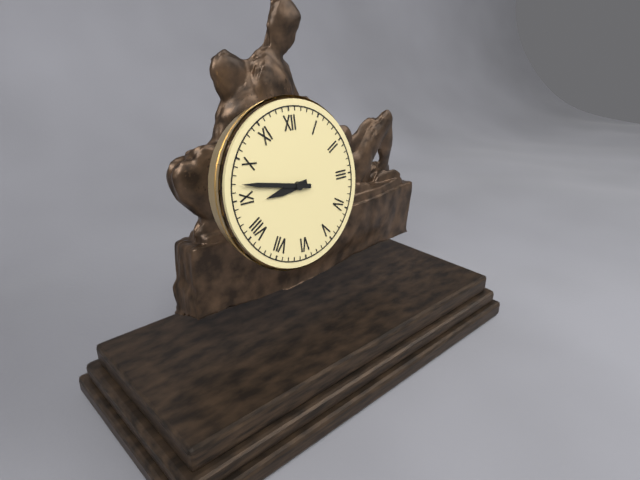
8:47
